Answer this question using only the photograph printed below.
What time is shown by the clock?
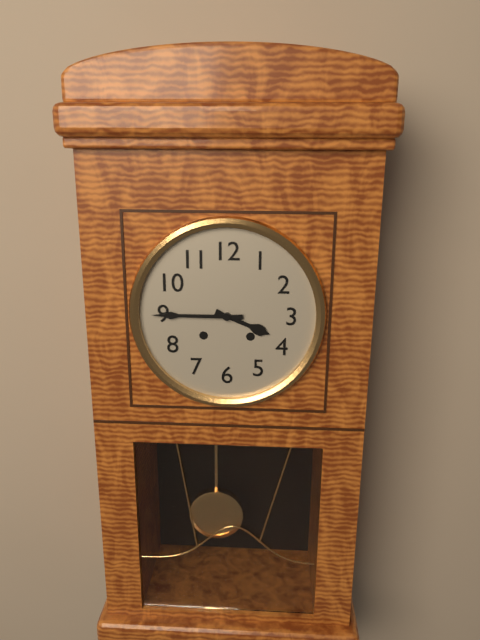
3:45
